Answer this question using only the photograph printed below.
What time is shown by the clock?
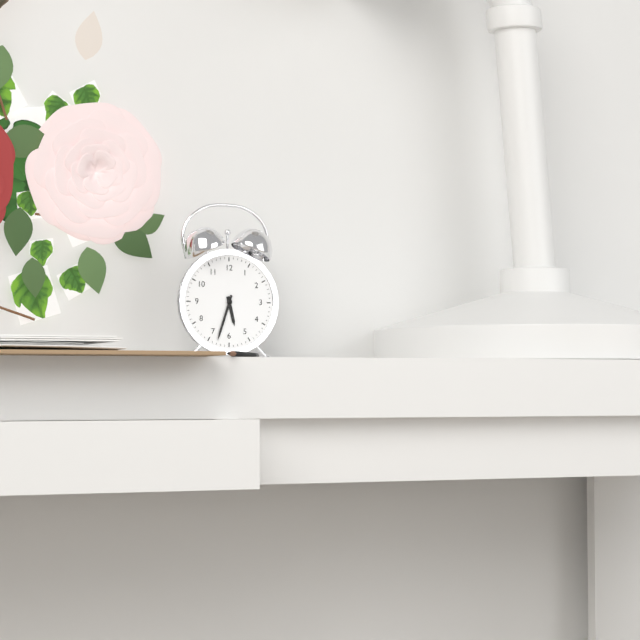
5:33
